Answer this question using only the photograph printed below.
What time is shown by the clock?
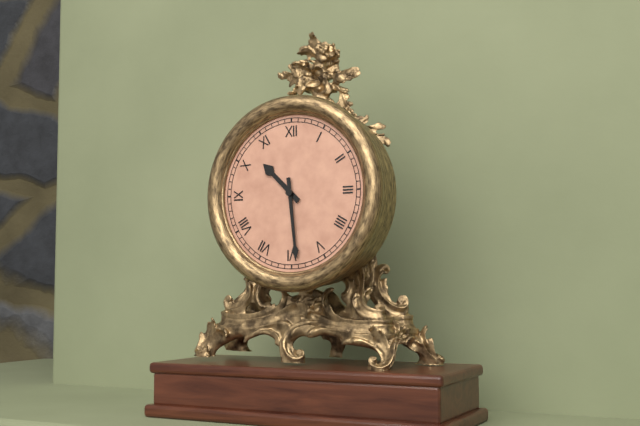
10:29
